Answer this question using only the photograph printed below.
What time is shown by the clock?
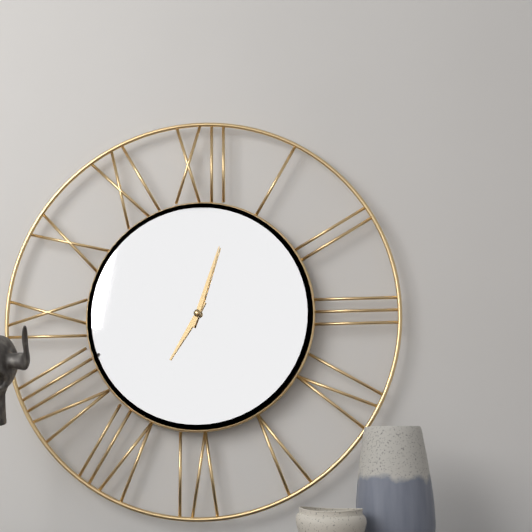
7:03
